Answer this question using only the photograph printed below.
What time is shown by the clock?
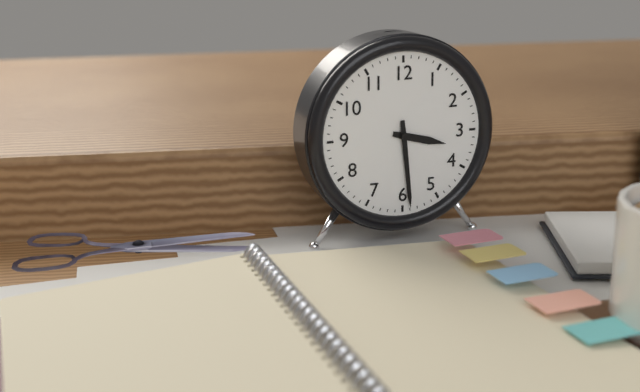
3:29
